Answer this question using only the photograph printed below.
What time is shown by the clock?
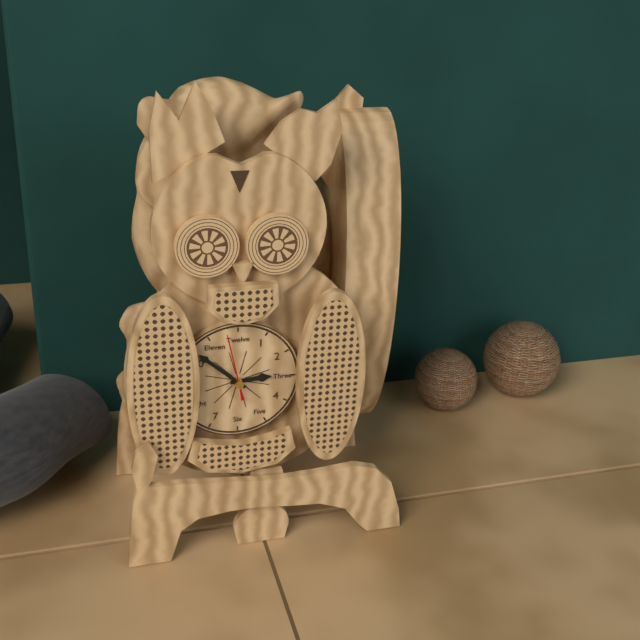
2:52:58
